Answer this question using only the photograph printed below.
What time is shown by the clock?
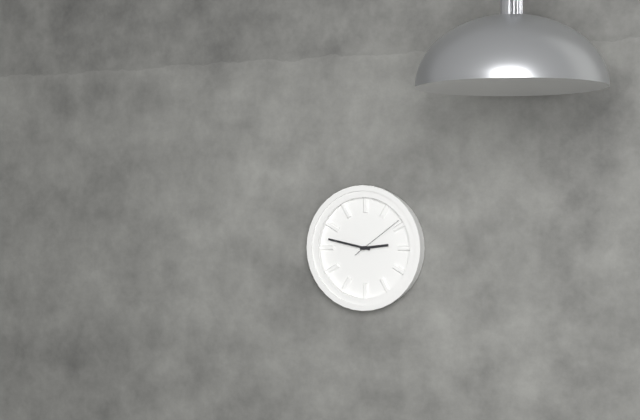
2:47:09
